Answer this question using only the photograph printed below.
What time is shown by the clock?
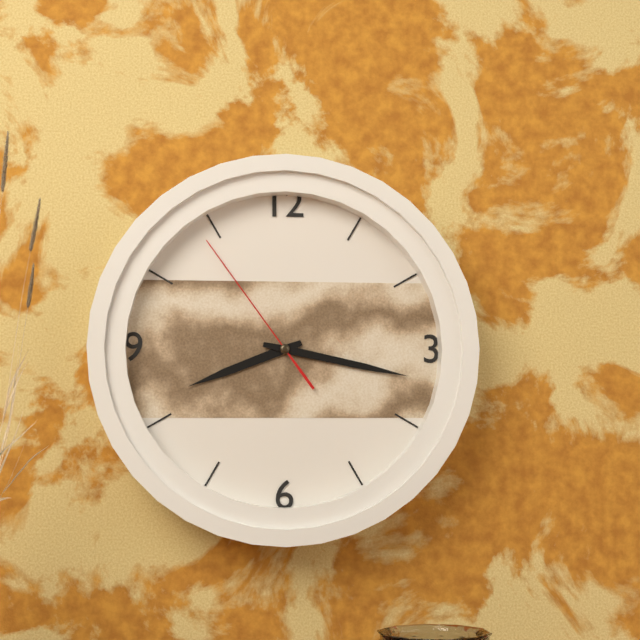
8:17:54
